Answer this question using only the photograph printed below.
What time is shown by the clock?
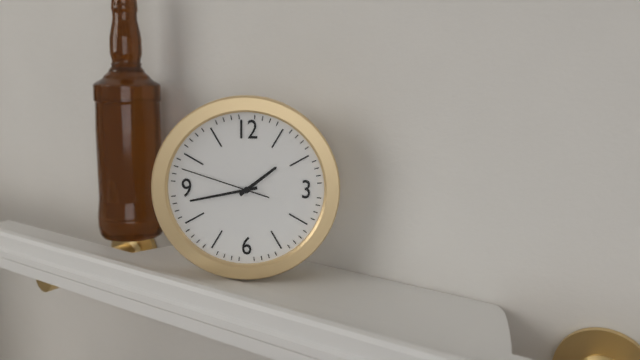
1:43:48
